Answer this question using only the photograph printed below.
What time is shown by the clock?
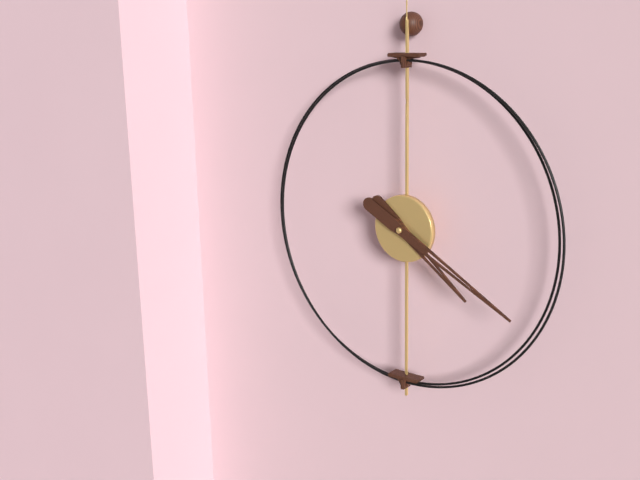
4:20
